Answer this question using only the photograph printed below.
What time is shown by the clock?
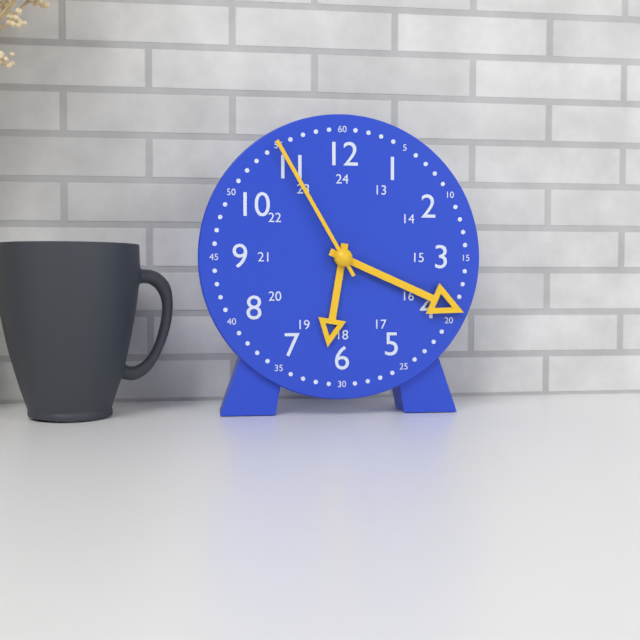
6:19:55
